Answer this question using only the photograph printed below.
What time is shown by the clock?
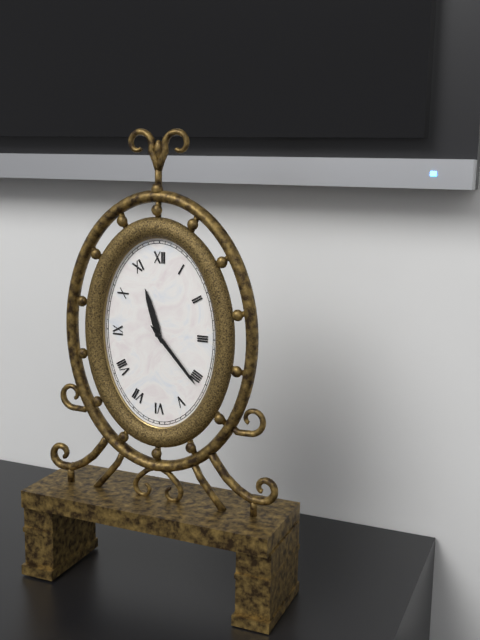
11:23
